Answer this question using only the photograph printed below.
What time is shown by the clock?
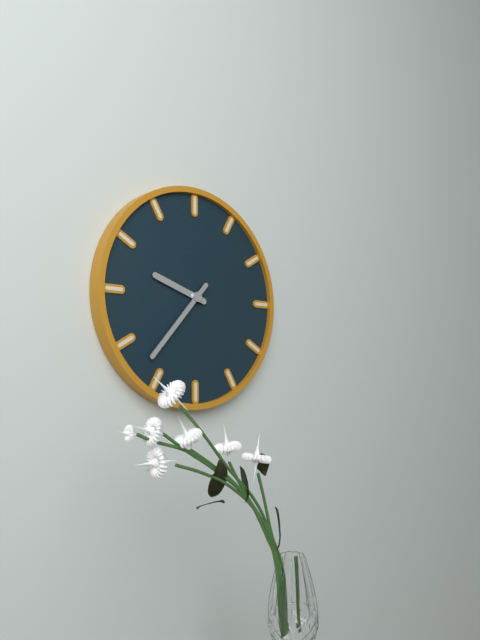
9:37
